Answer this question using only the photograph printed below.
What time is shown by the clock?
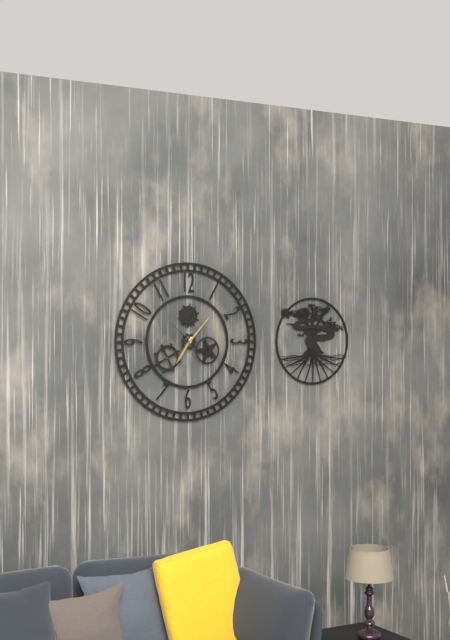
7:07
